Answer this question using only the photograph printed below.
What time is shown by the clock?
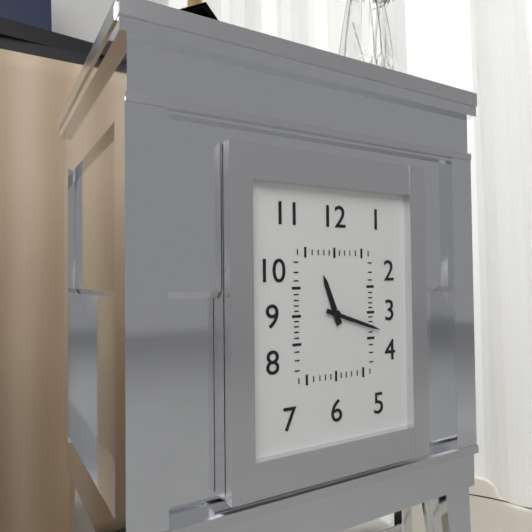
11:18
